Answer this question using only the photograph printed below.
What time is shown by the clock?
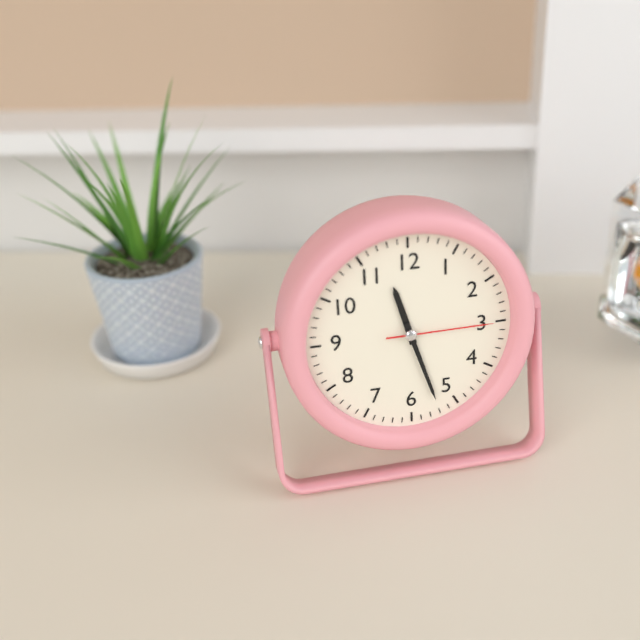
11:27:15
